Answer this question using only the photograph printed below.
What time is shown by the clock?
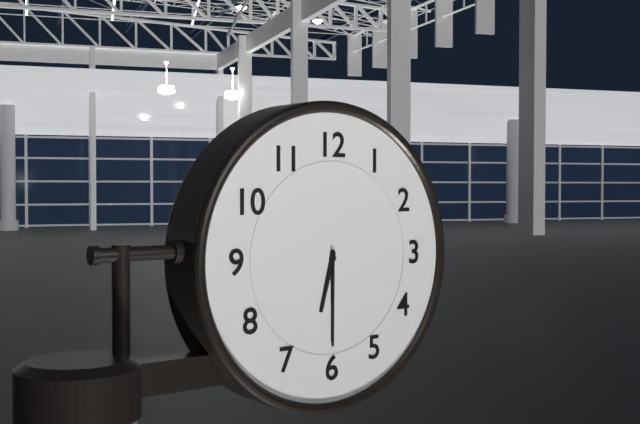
6:30
